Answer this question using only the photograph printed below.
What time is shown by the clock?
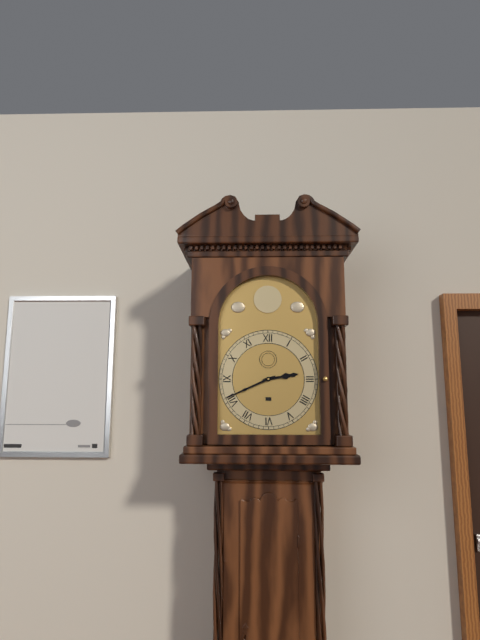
2:41
